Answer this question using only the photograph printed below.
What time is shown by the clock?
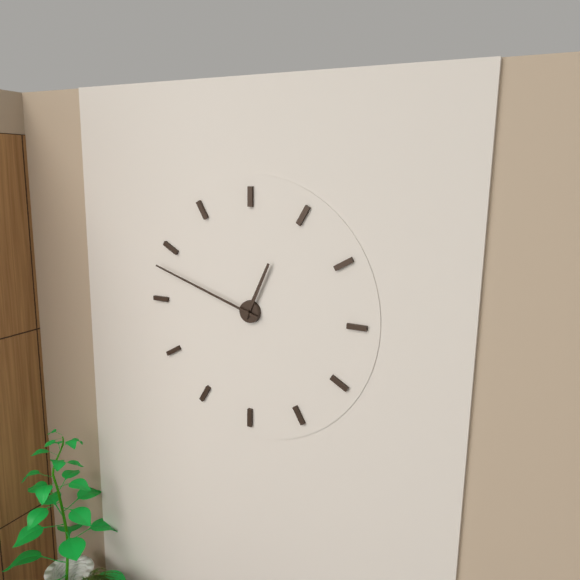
12:48
